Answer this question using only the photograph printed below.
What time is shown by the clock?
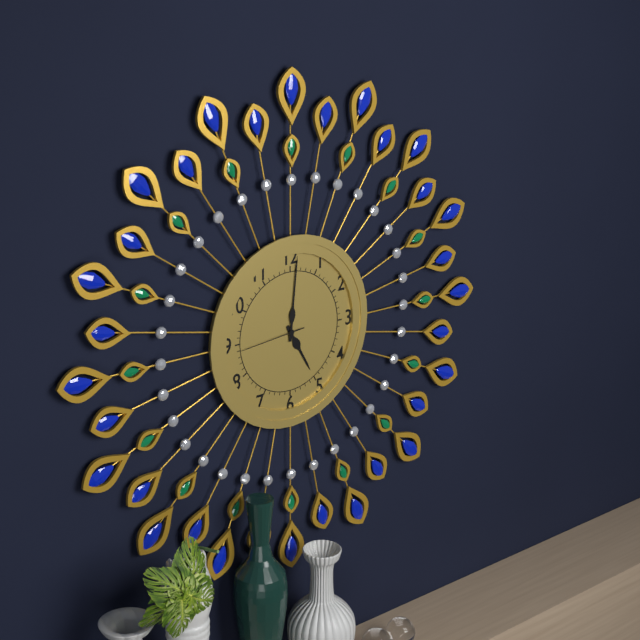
5:01:44
